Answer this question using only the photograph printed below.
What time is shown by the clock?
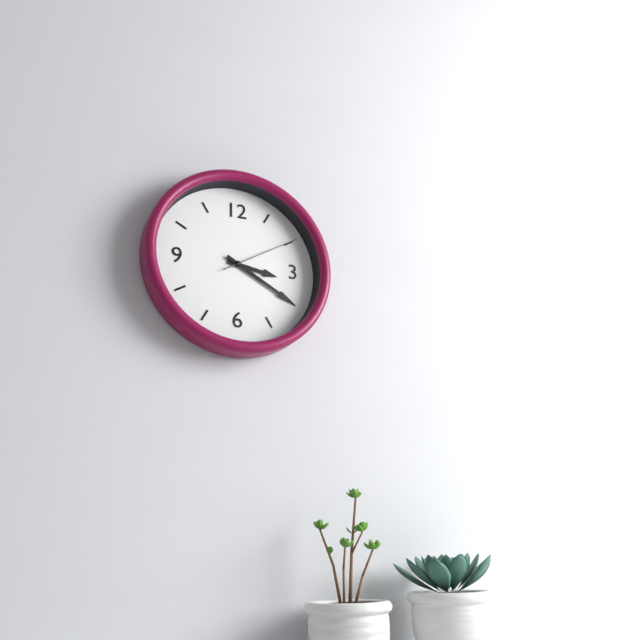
3:20:10
